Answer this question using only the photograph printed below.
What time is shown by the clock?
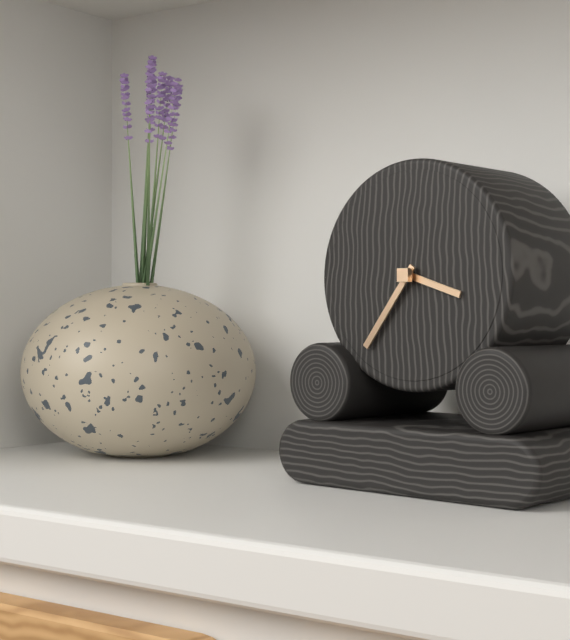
3:36
